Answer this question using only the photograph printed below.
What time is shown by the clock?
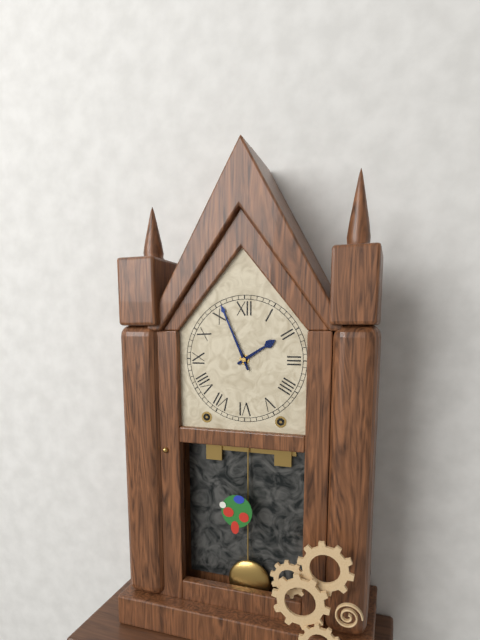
1:56
